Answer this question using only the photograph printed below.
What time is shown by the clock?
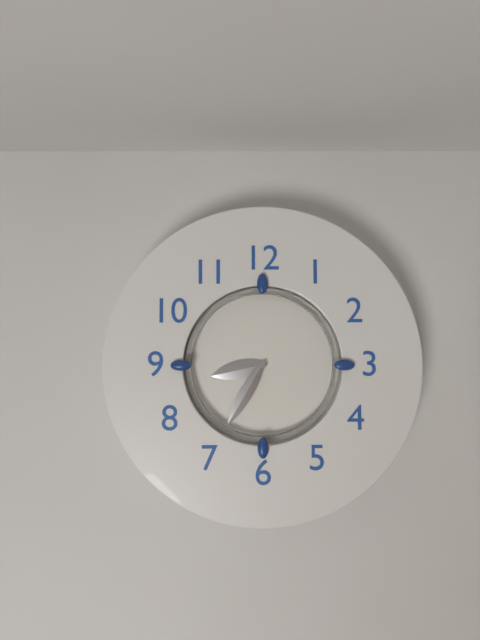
8:35
